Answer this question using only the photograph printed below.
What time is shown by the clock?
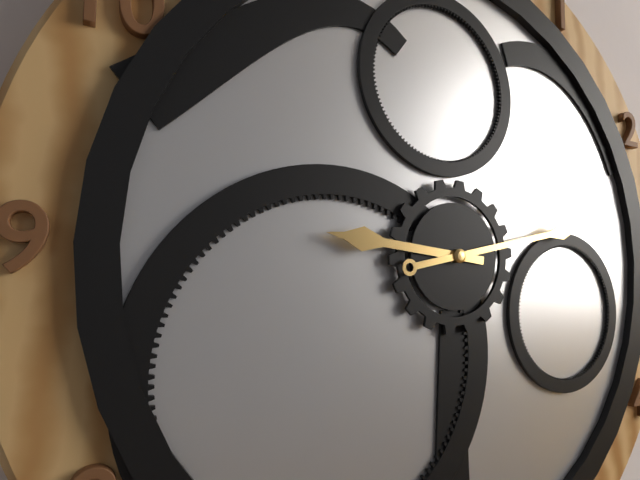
9:13
